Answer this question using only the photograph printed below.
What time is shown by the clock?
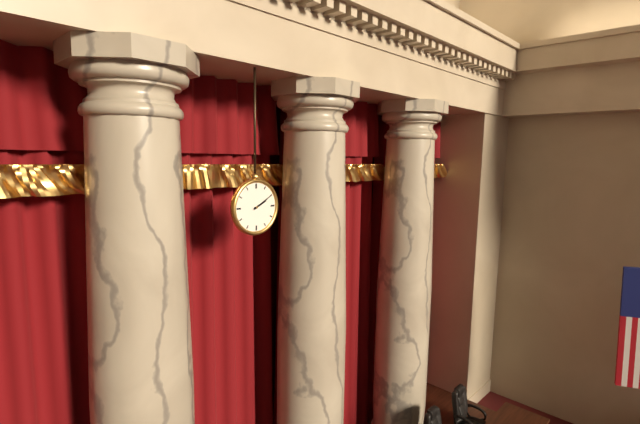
2:10
